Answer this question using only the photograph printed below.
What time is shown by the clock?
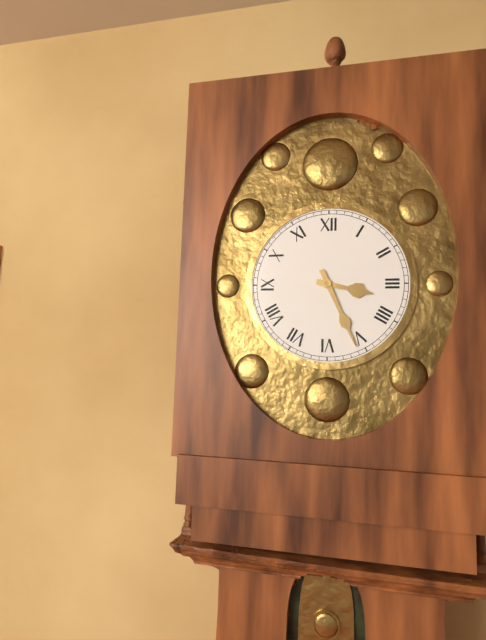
3:26
